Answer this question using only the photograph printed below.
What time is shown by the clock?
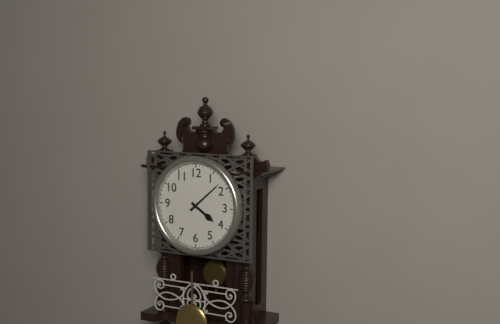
4:08
